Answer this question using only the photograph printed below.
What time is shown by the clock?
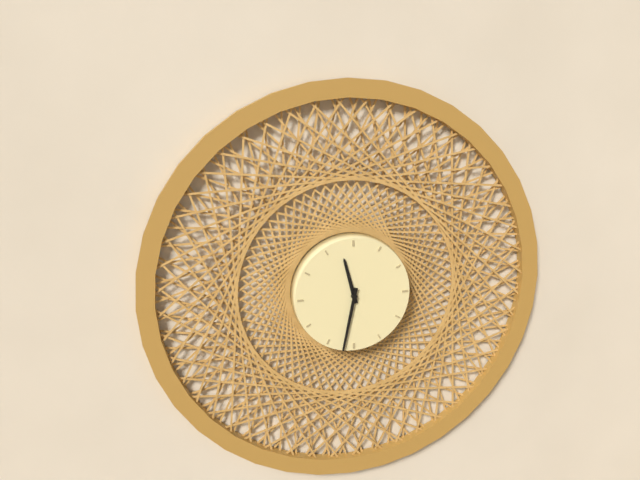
11:32
